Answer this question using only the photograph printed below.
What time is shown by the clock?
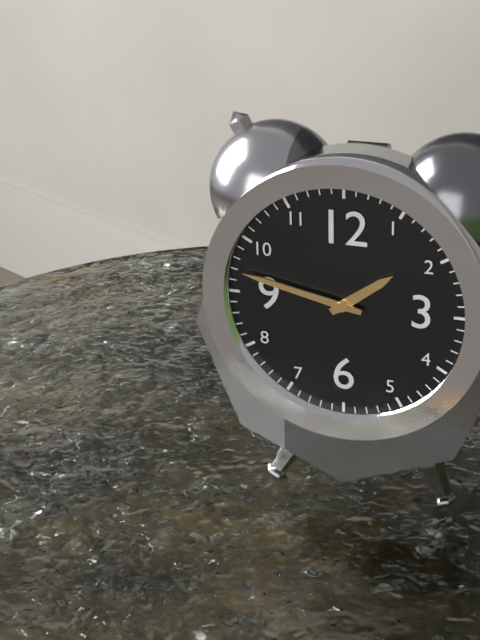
1:47
